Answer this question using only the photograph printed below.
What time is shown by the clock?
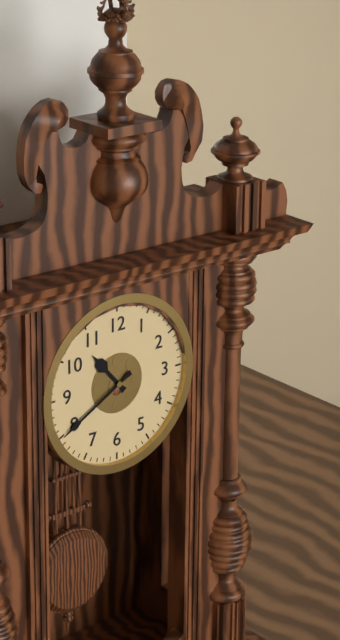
10:40
